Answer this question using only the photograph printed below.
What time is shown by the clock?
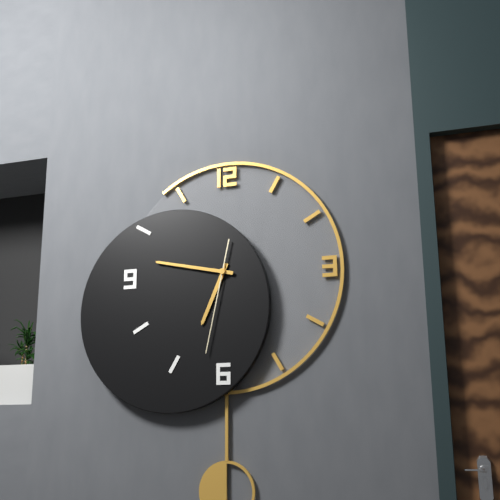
6:47:32
